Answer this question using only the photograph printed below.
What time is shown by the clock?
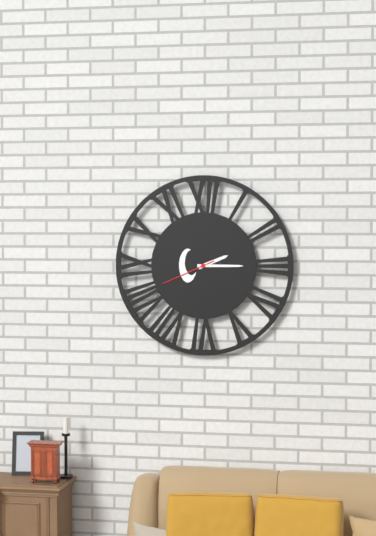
2:15:41
